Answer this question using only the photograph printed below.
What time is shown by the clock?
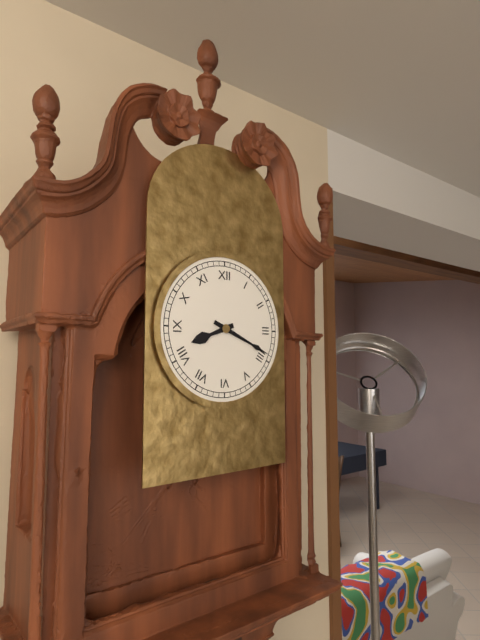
8:19
